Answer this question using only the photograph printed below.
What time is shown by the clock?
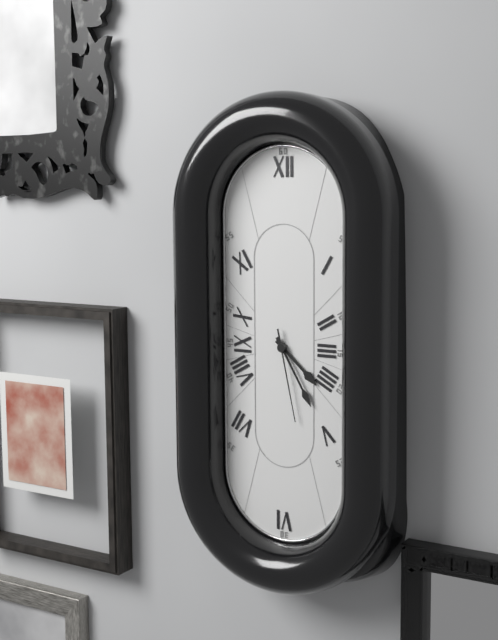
4:25:28
